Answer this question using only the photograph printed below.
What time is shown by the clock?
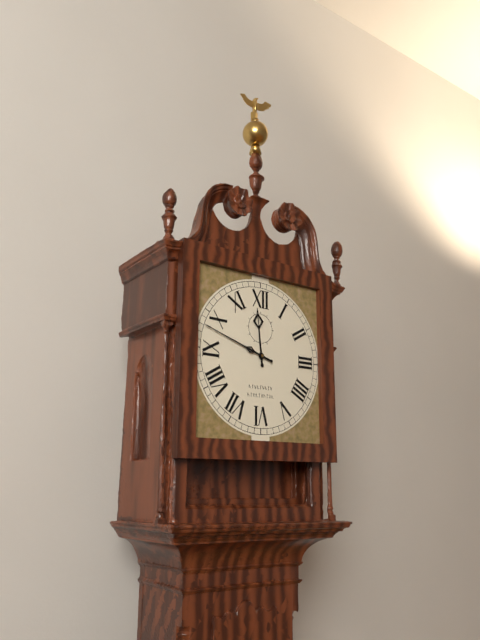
11:48
